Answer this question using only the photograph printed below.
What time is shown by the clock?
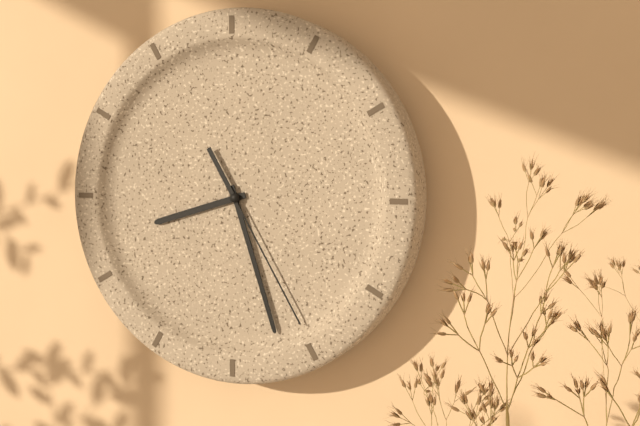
8:27:25
